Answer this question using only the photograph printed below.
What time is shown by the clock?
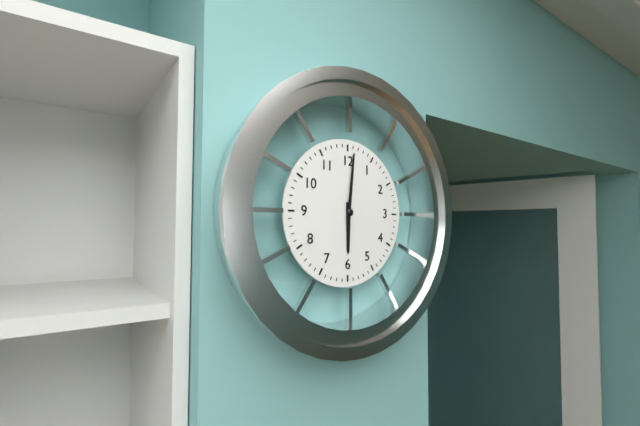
6:01
